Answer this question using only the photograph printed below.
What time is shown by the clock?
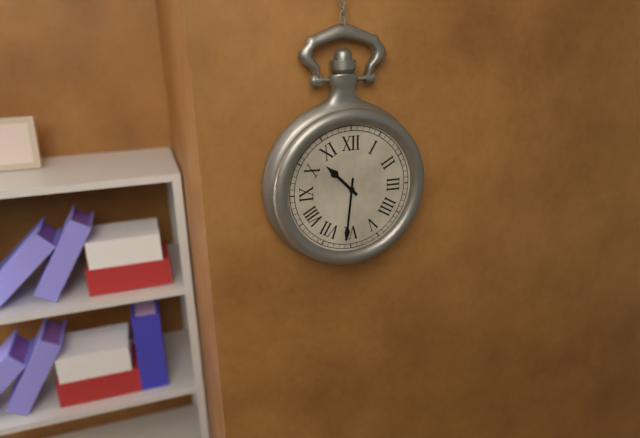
10:31
